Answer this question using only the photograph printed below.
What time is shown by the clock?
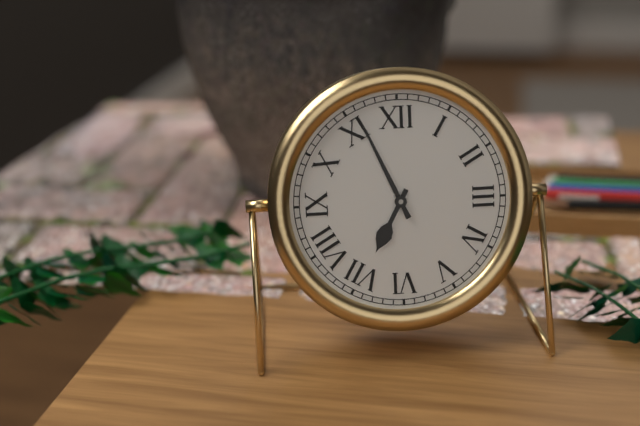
6:56
